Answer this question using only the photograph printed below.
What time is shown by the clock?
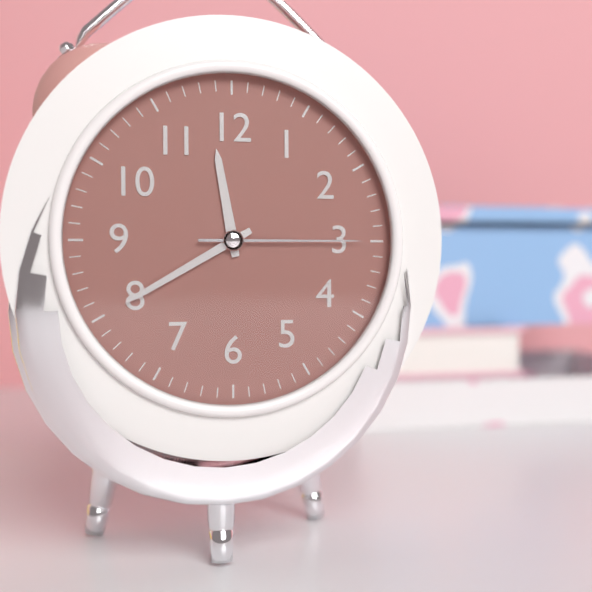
11:40:15
